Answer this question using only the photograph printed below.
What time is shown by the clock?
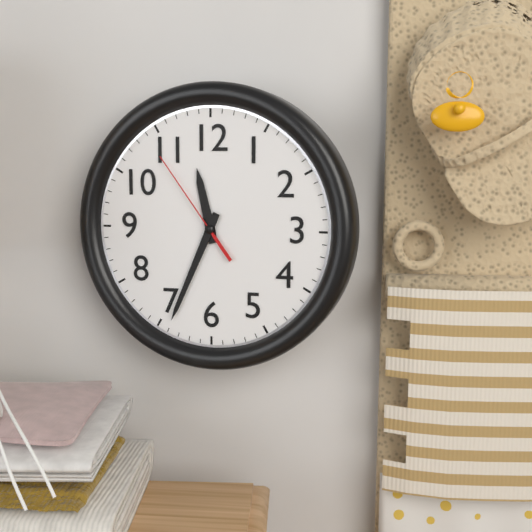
11:34:54
